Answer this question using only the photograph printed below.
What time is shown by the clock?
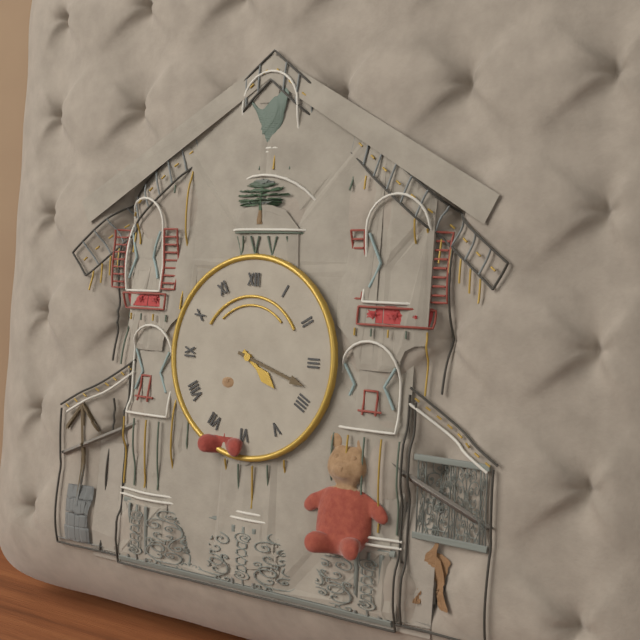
4:18
